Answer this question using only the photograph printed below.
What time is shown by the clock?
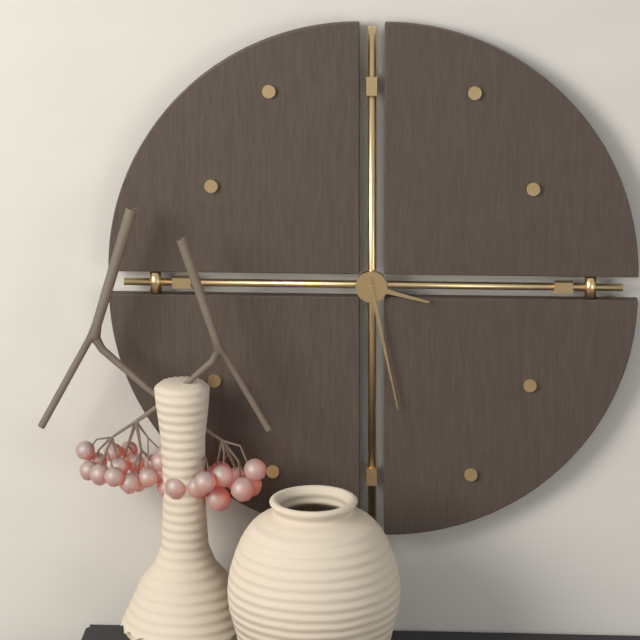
3:28
